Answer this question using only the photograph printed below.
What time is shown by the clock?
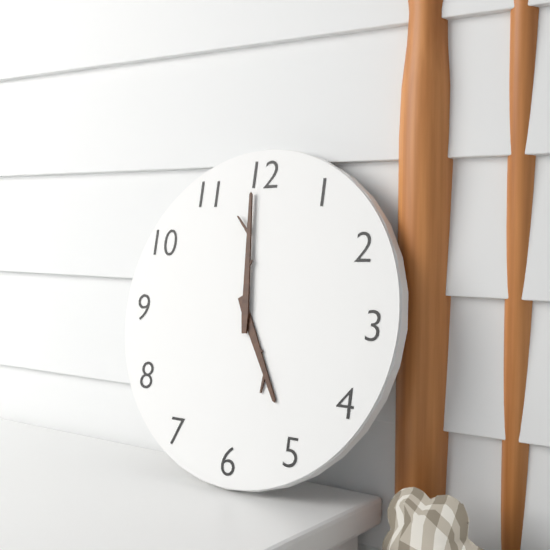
4:59
